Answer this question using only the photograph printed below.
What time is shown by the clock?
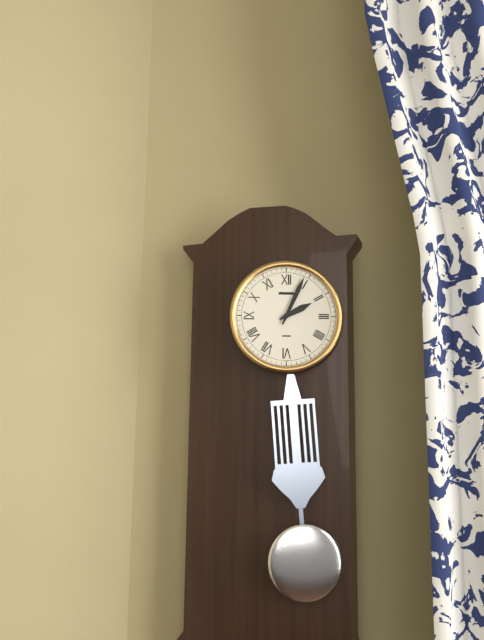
2:04
